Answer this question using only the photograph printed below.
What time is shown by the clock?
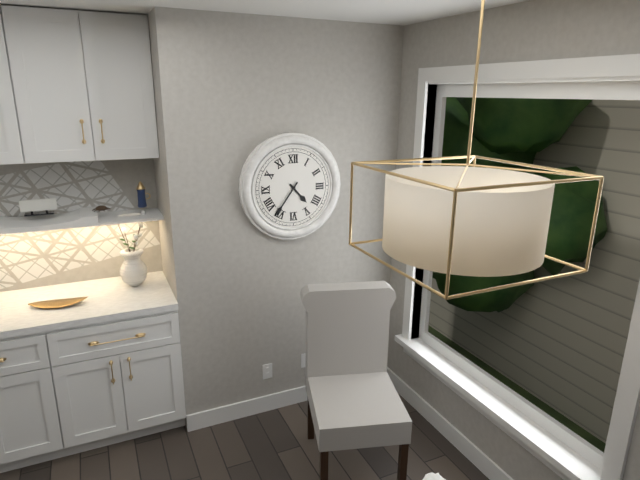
4:36
